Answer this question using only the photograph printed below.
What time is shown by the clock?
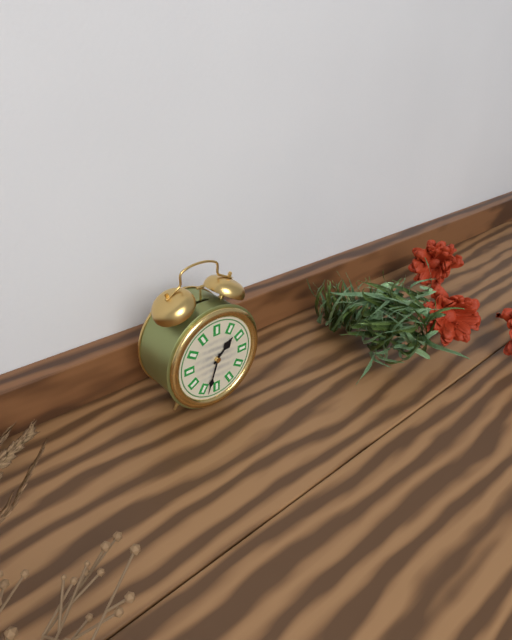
1:33
